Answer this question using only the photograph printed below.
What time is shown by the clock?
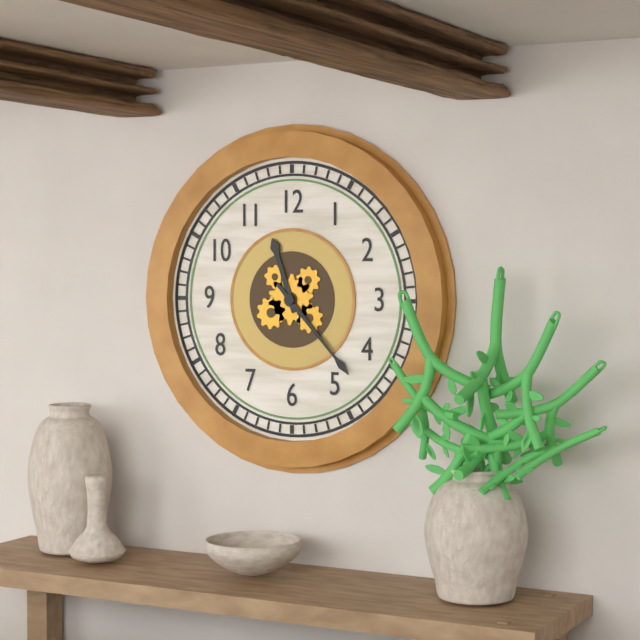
11:23
